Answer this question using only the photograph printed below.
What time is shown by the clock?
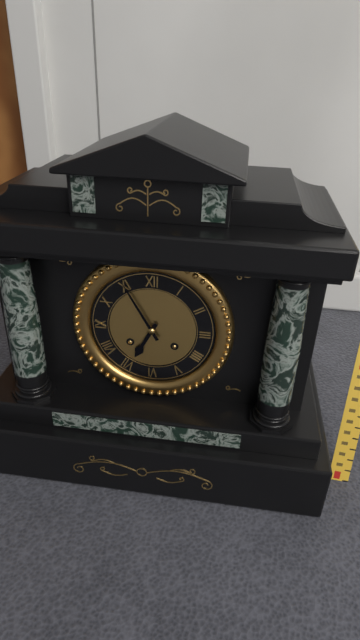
6:55
